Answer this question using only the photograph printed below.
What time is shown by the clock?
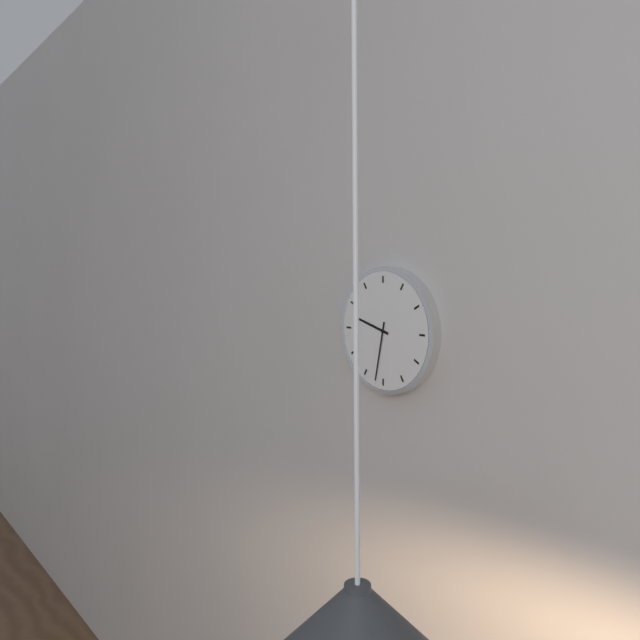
9:32
